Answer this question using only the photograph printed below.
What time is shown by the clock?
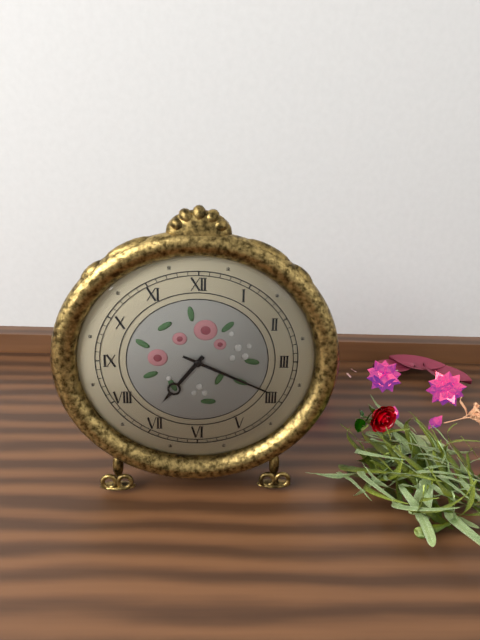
7:19
